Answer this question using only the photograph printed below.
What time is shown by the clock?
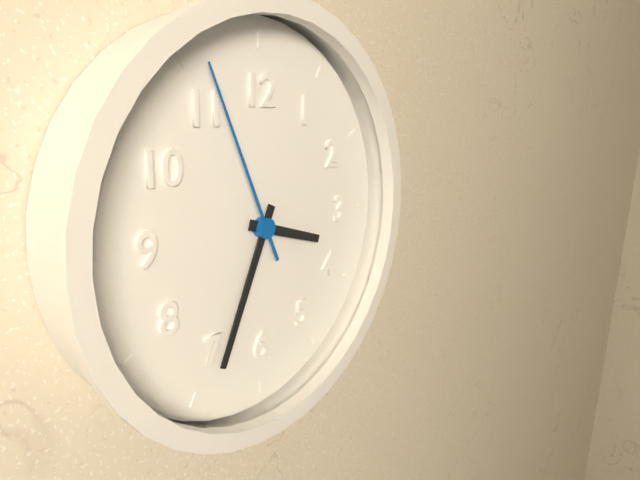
3:34:56
